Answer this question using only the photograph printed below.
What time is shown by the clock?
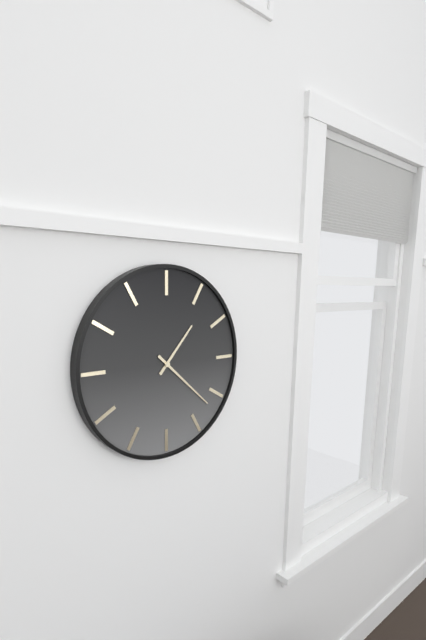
1:22
